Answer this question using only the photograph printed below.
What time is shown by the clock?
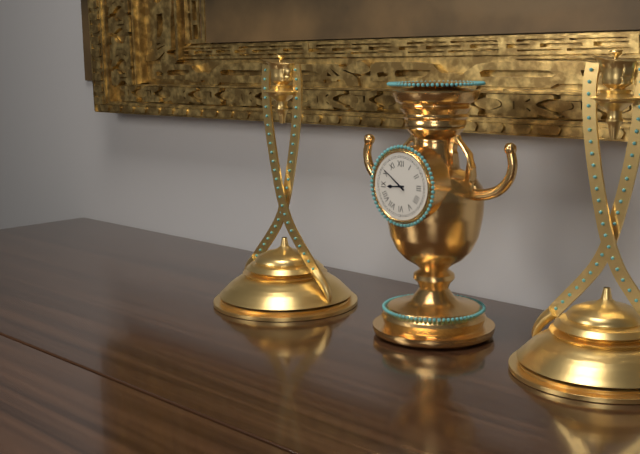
8:51
